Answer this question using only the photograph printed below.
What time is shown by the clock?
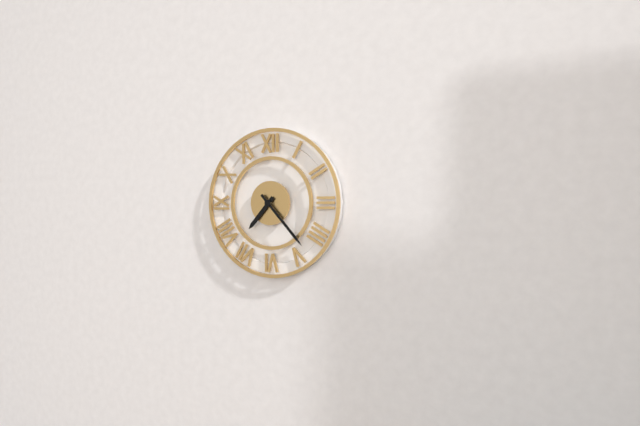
7:23
